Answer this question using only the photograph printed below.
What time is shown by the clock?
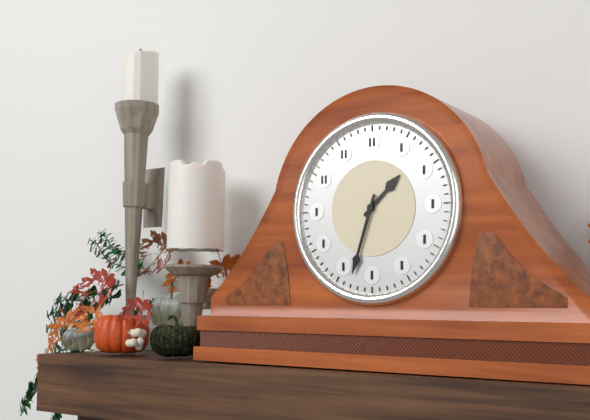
1:33
